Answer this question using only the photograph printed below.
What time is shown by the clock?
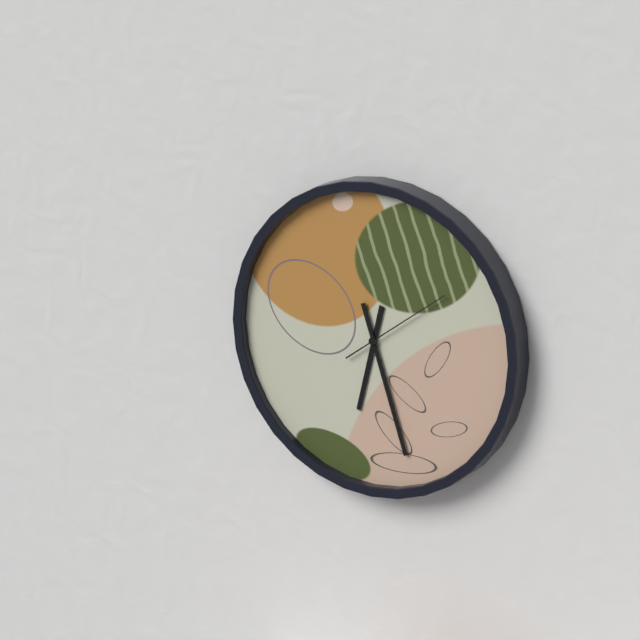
6:27:09
